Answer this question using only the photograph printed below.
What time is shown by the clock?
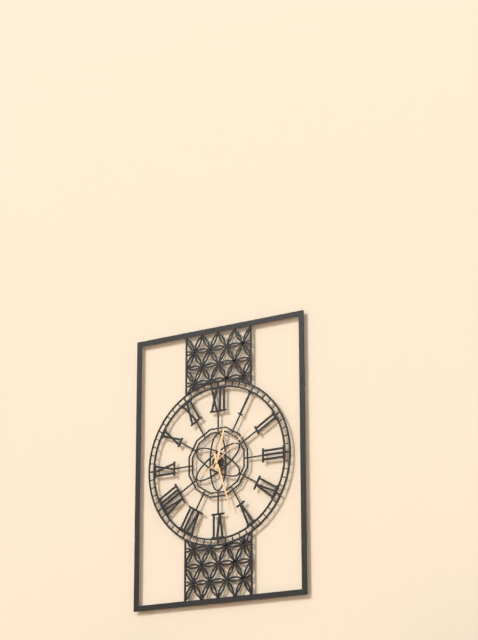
12:27:09
